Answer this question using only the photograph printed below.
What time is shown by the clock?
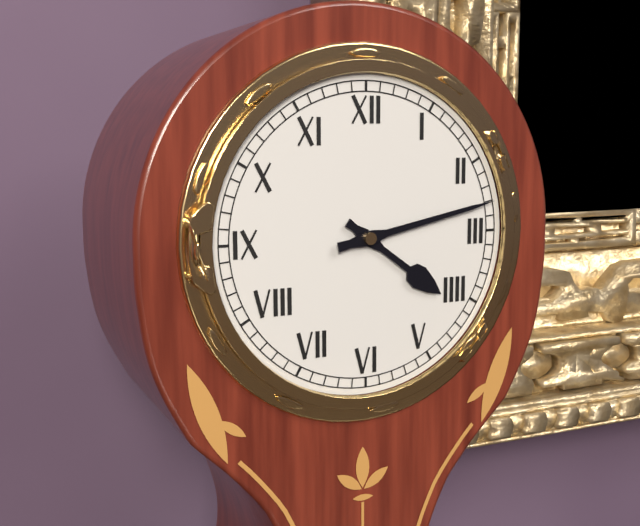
4:13
